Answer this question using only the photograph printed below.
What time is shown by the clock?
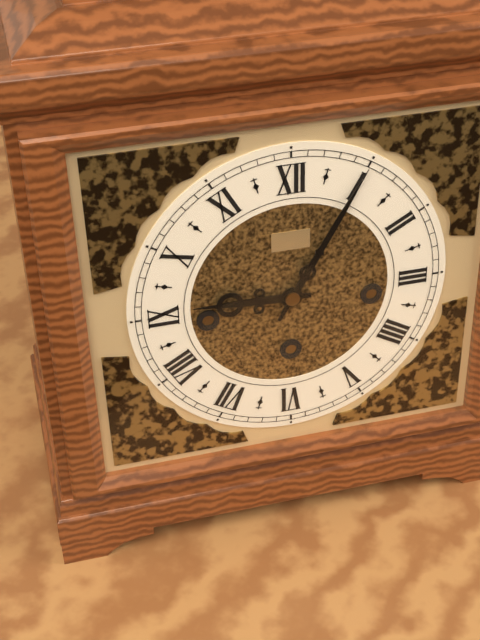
9:05
